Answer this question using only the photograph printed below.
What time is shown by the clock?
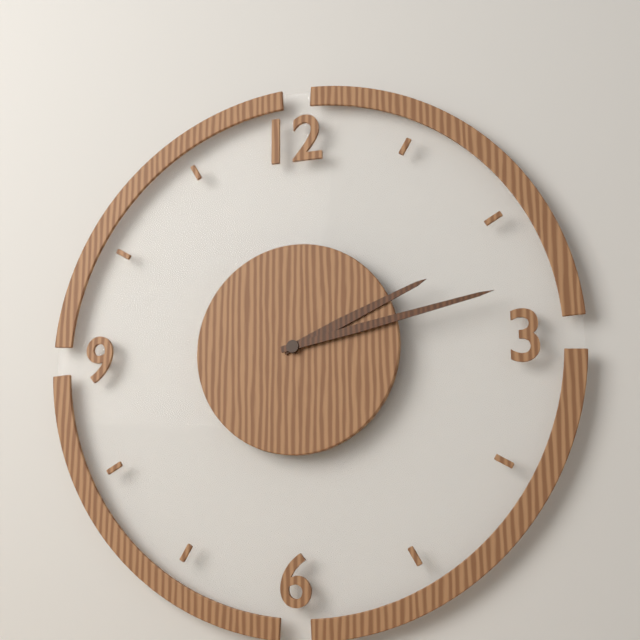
2:13
